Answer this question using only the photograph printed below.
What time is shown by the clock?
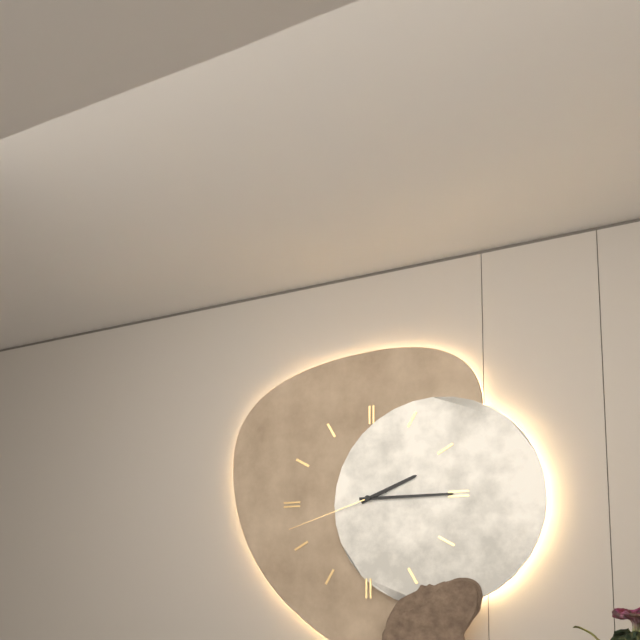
2:15:42
